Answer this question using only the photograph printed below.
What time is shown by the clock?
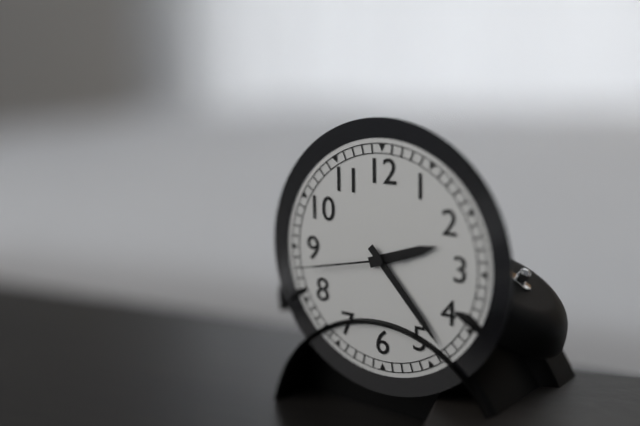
2:23:43
